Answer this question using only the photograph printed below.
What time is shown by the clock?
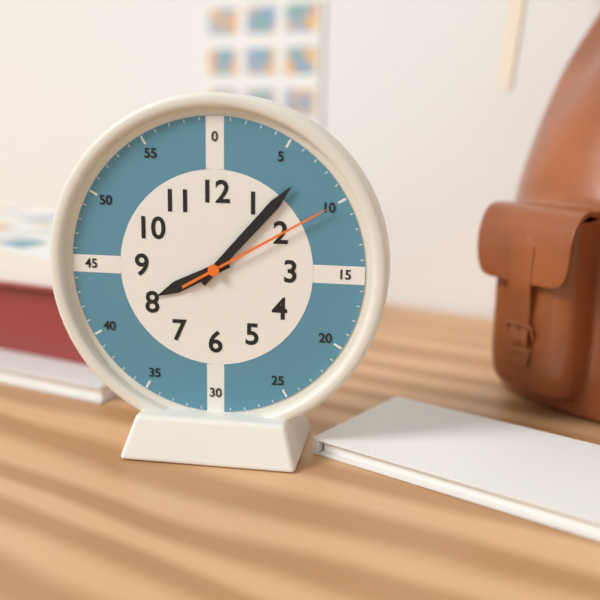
8:07:10
